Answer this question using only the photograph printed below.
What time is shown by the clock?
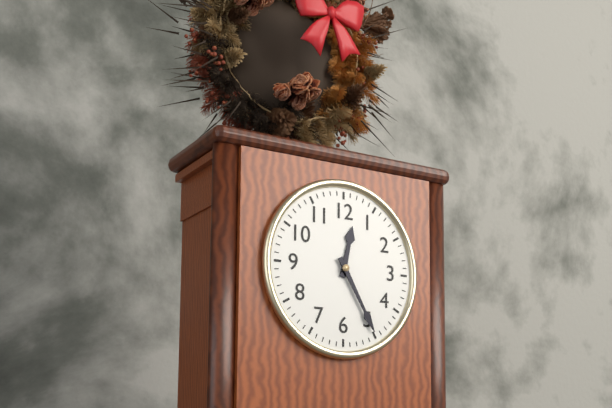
12:25
